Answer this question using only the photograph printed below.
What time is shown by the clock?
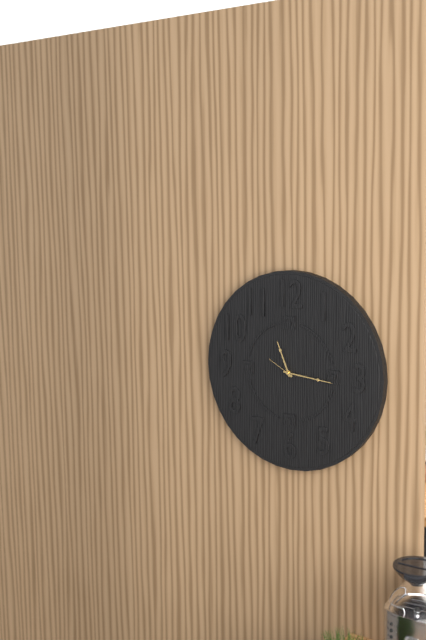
11:16
